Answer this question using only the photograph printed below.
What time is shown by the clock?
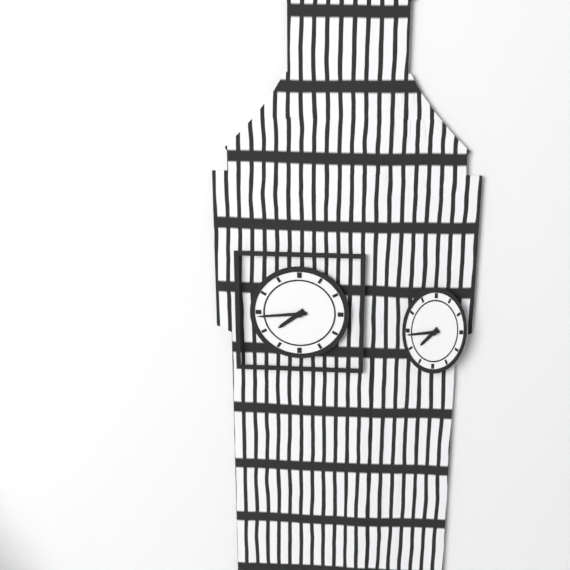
7:44
